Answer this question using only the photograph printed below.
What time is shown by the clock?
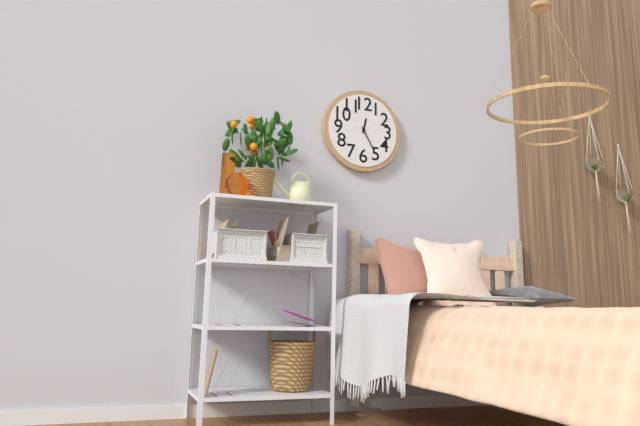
12:25
